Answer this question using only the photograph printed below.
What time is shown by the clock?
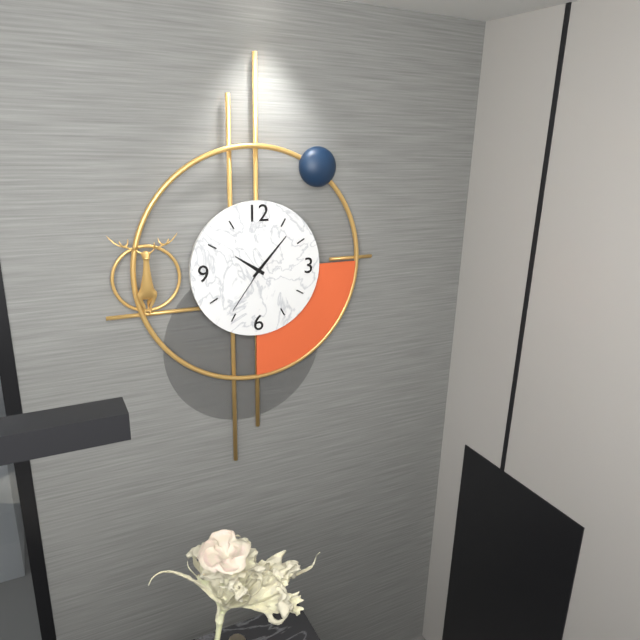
10:07:36
